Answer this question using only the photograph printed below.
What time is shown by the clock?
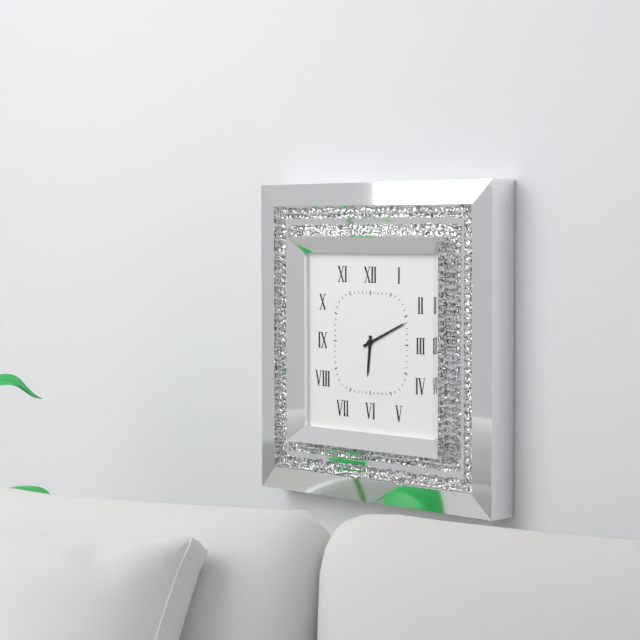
6:11
